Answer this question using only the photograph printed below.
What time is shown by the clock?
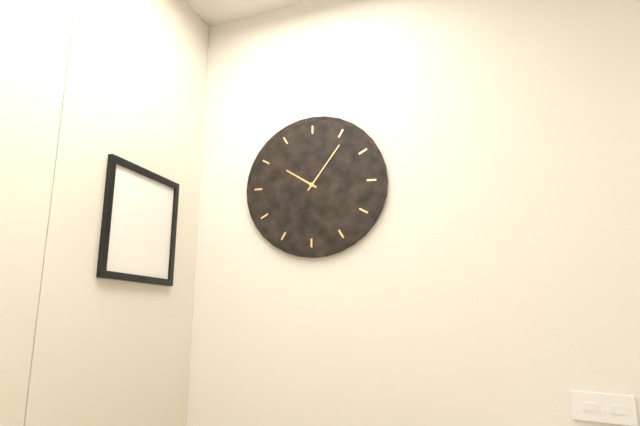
10:06
